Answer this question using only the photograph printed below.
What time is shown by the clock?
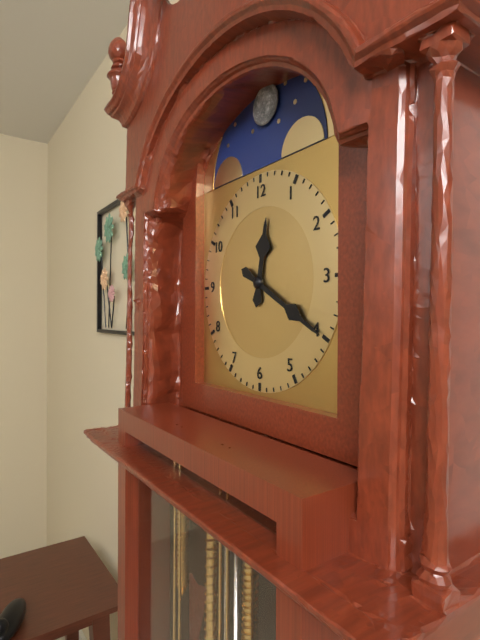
12:20
